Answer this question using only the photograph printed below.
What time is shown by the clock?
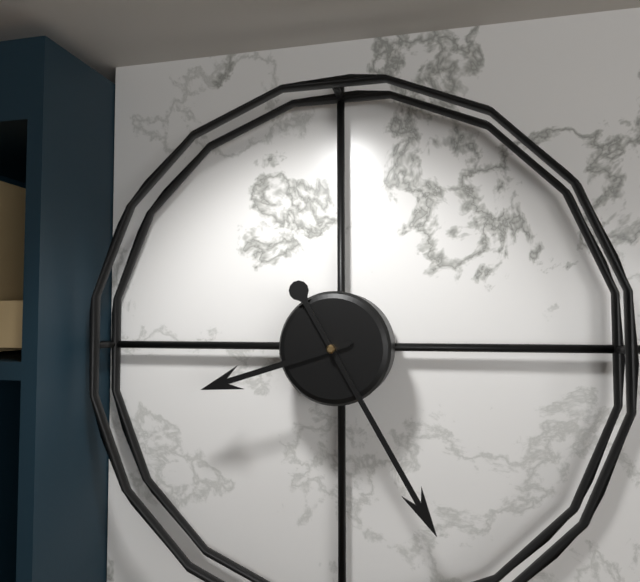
8:25
